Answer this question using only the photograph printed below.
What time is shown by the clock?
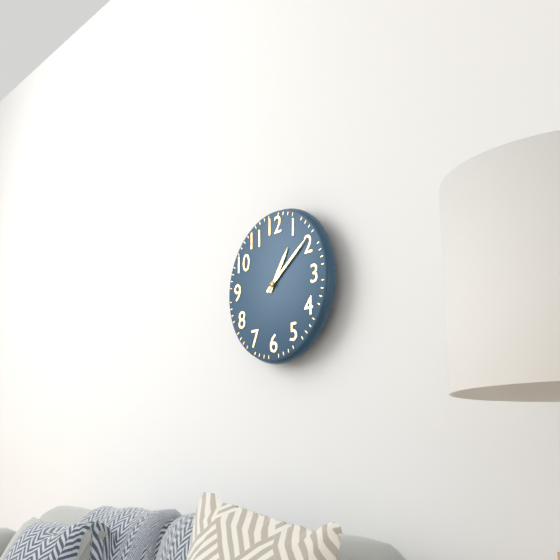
1:09
